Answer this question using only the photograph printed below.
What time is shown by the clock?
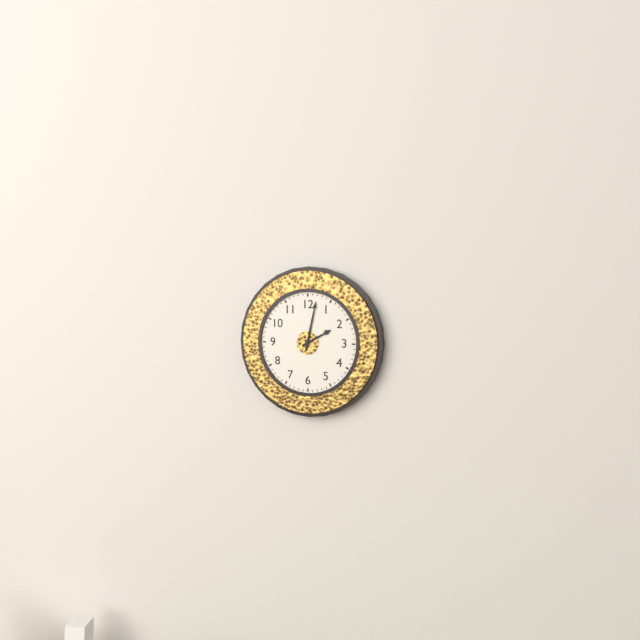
2:02
